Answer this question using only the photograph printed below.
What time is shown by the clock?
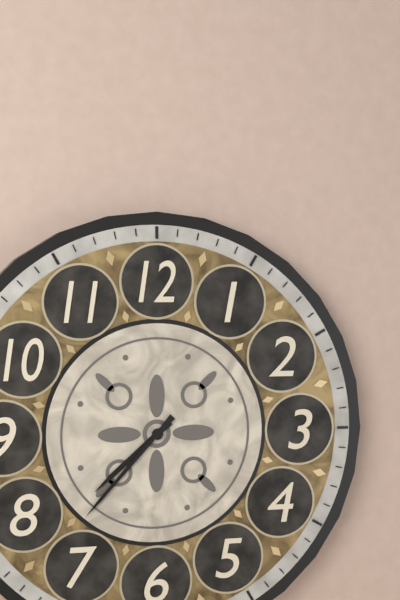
7:37
